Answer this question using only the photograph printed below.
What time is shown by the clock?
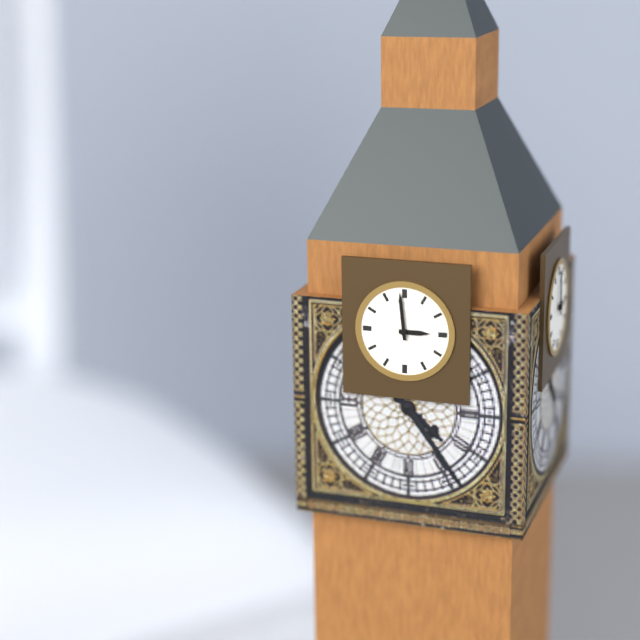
2:59
